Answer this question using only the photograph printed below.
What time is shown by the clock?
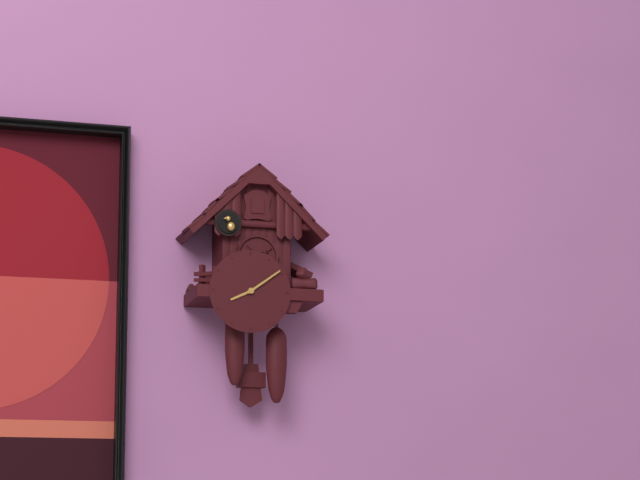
8:09
